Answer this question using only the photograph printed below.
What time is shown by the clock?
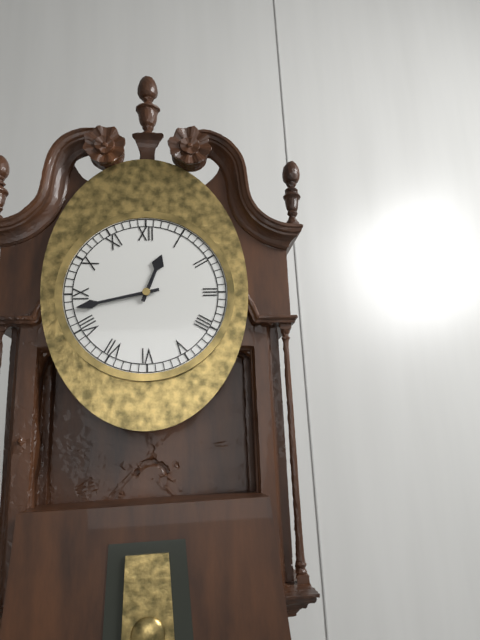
12:43
